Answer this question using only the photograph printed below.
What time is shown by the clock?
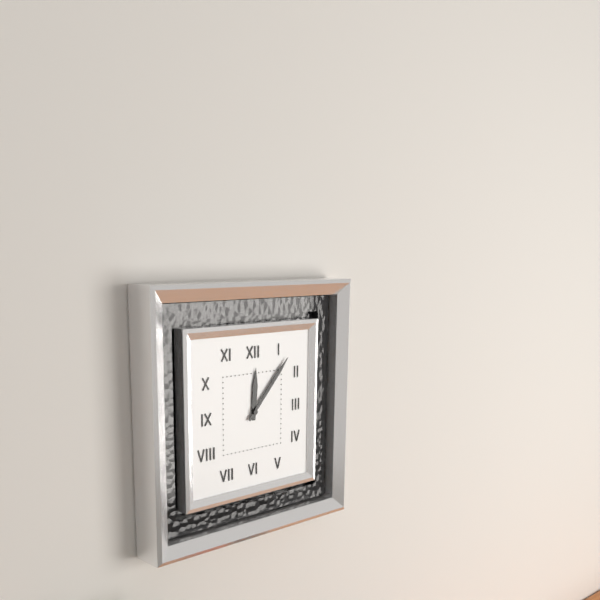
12:07
